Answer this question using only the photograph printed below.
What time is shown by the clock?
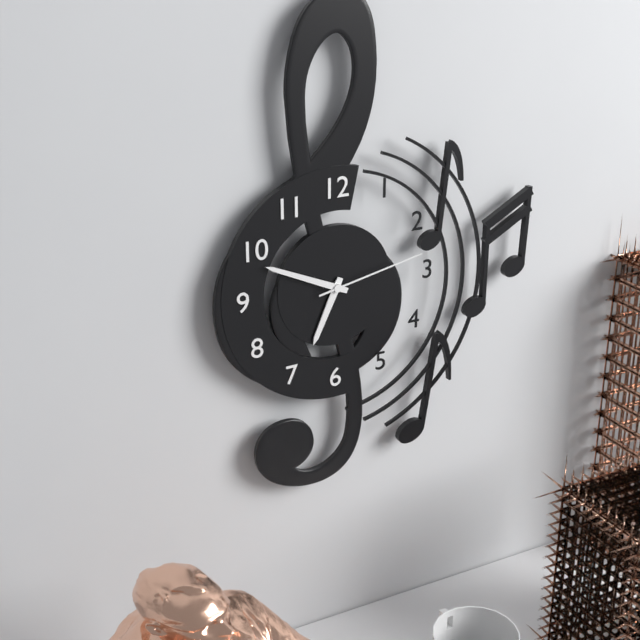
6:49:13
